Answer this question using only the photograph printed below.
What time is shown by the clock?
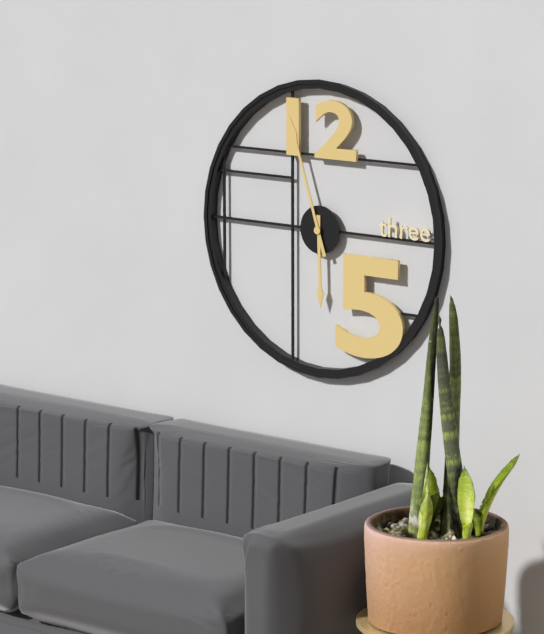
5:57
